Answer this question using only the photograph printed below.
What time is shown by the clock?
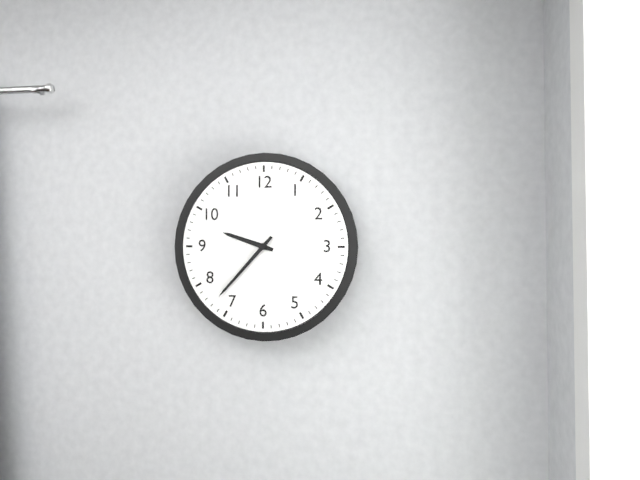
9:37
